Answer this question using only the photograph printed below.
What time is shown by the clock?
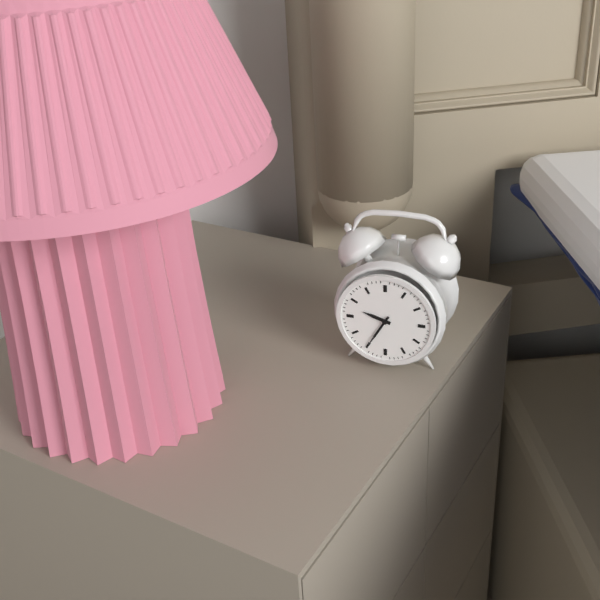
9:35
